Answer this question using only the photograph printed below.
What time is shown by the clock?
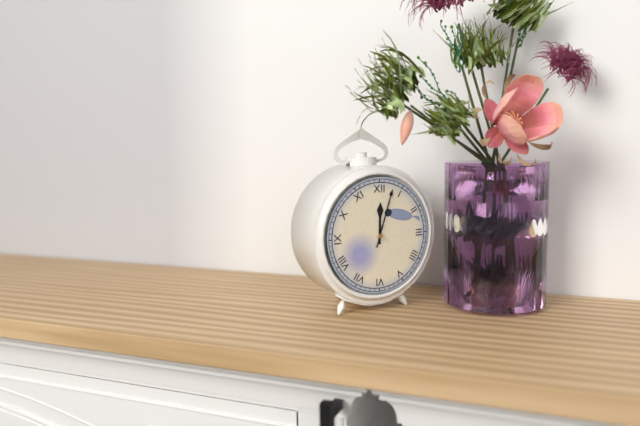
12:03
